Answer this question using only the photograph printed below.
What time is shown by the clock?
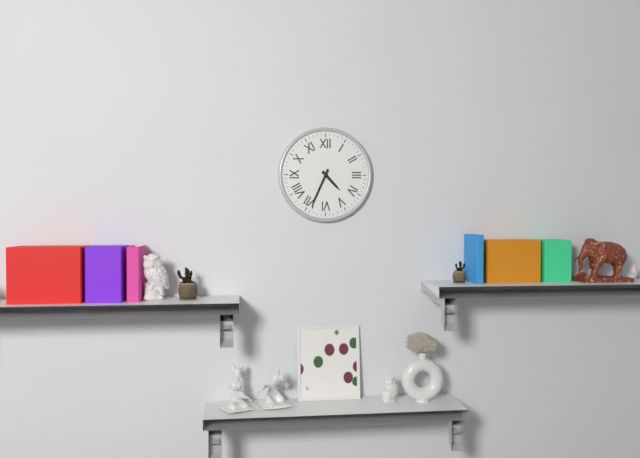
4:34
